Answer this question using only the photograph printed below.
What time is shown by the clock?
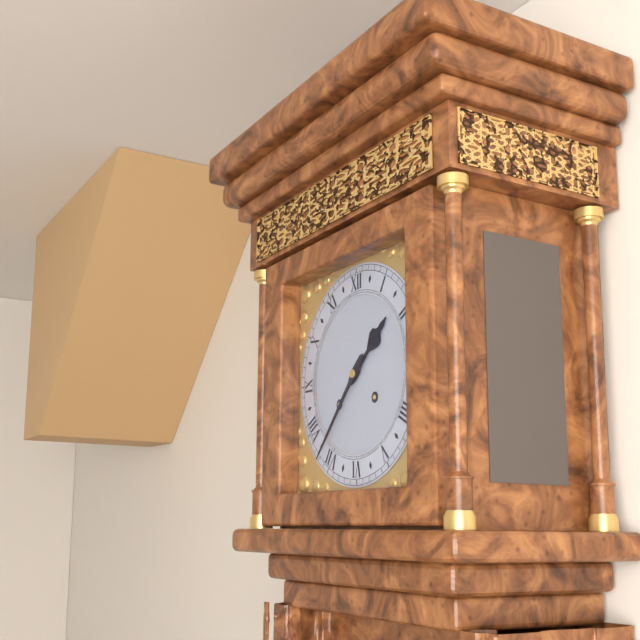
1:37
